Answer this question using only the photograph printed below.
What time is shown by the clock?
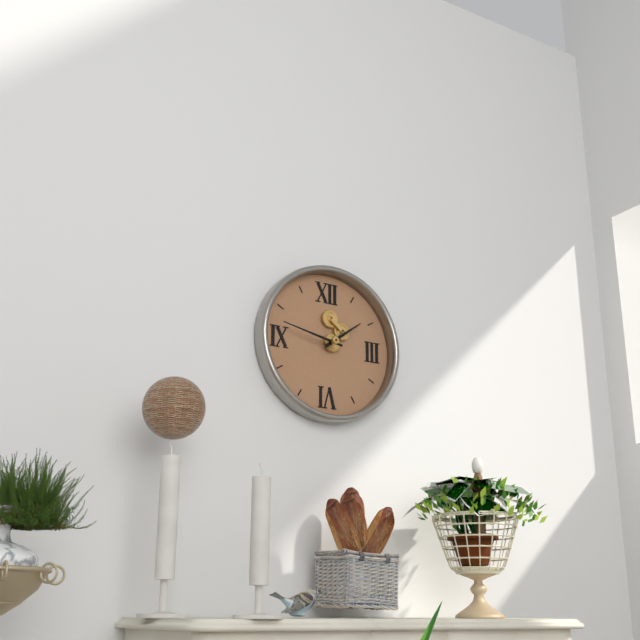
1:47
